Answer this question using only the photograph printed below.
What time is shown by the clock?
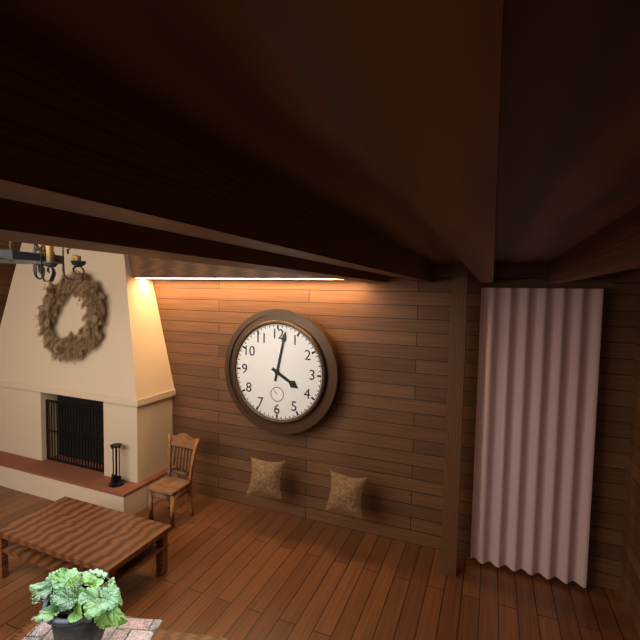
4:02
